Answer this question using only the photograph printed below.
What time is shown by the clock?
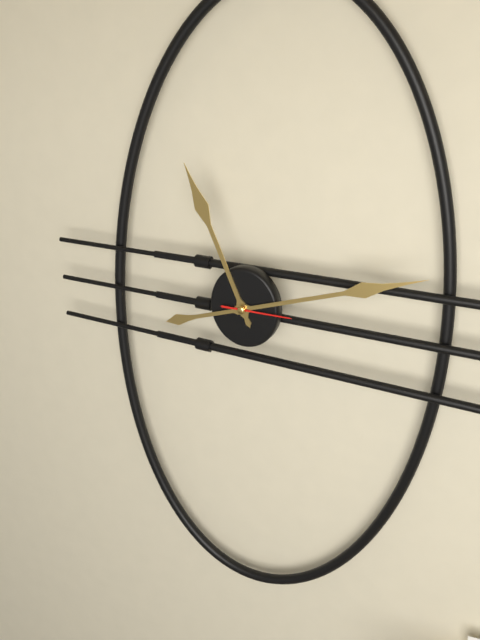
11:12:15
